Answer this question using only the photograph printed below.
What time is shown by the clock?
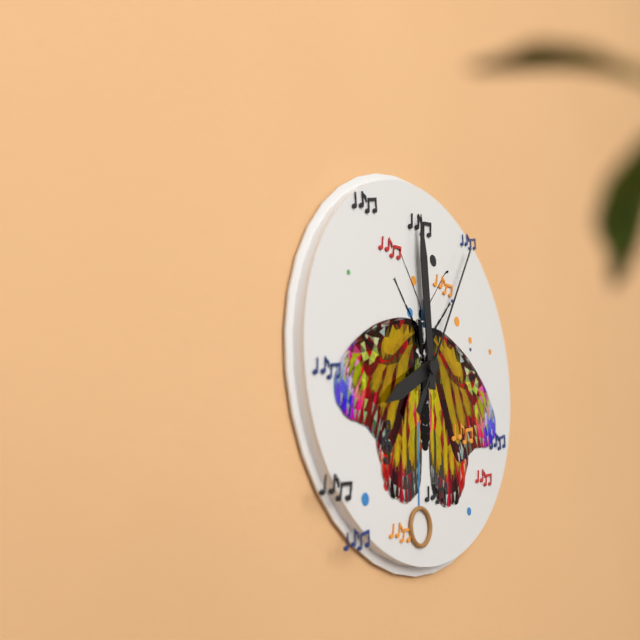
7:59:05
